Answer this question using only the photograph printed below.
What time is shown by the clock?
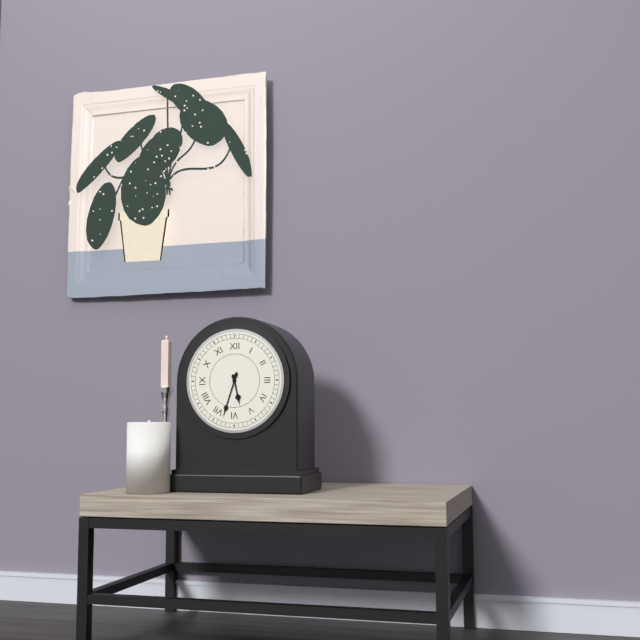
5:33
